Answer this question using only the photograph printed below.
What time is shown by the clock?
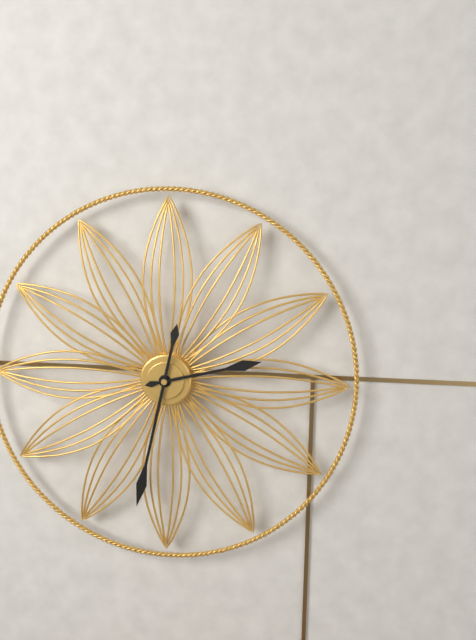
2:32
